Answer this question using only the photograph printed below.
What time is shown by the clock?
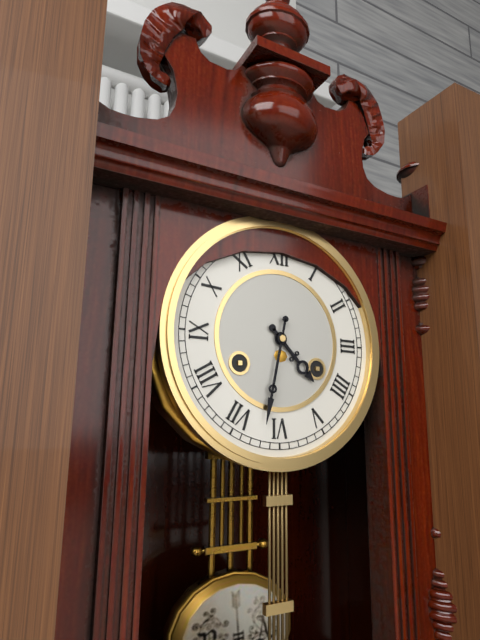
4:32
